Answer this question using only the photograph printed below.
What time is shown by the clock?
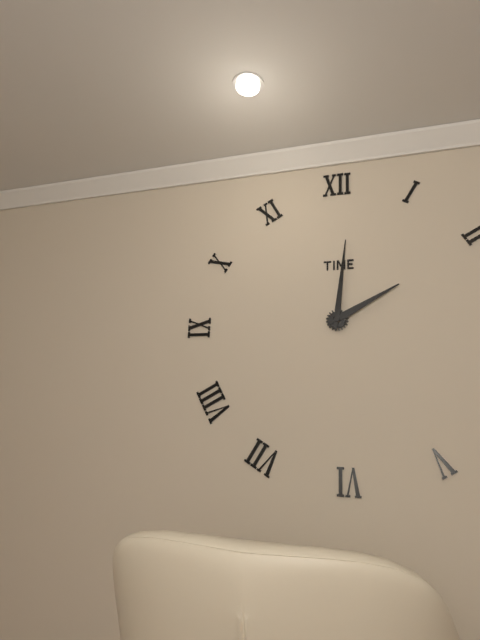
2:01
